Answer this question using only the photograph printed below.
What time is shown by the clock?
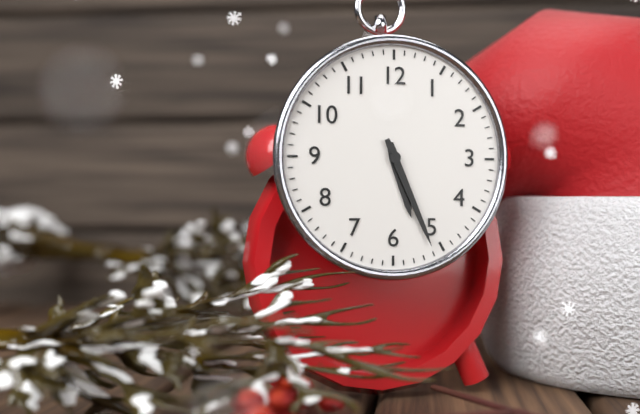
5:26
